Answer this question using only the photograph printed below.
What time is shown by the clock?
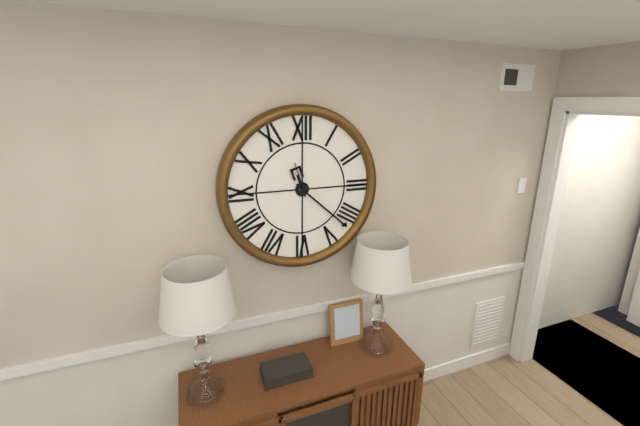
11:22
